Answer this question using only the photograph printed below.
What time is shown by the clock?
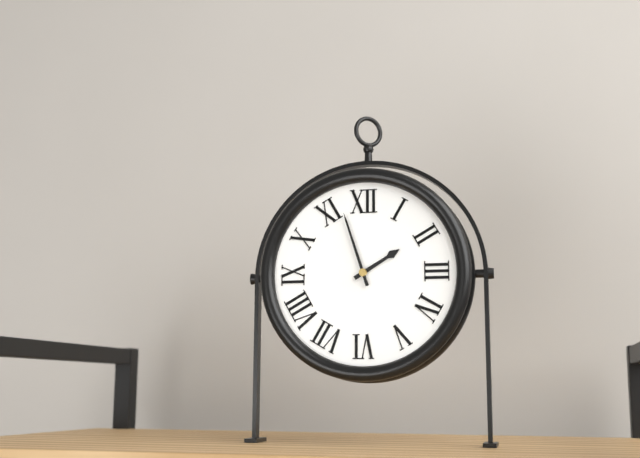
1:57
